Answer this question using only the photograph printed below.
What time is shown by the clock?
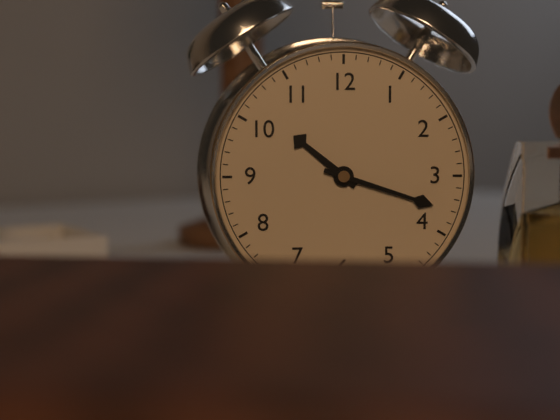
10:18
